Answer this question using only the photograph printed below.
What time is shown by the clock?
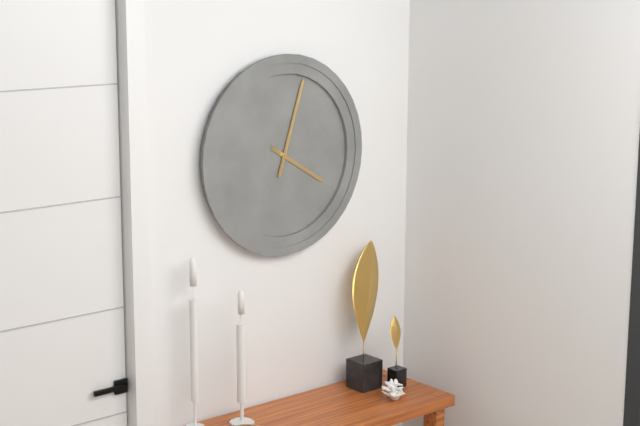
4:03
